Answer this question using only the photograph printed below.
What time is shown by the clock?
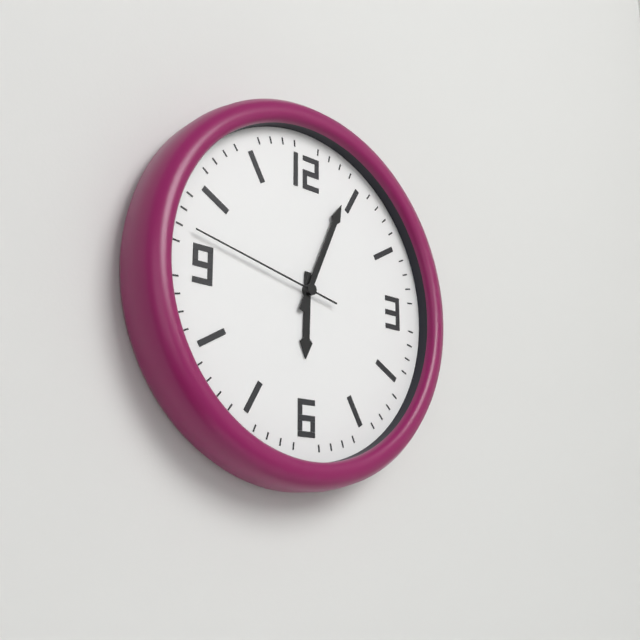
6:04:47
